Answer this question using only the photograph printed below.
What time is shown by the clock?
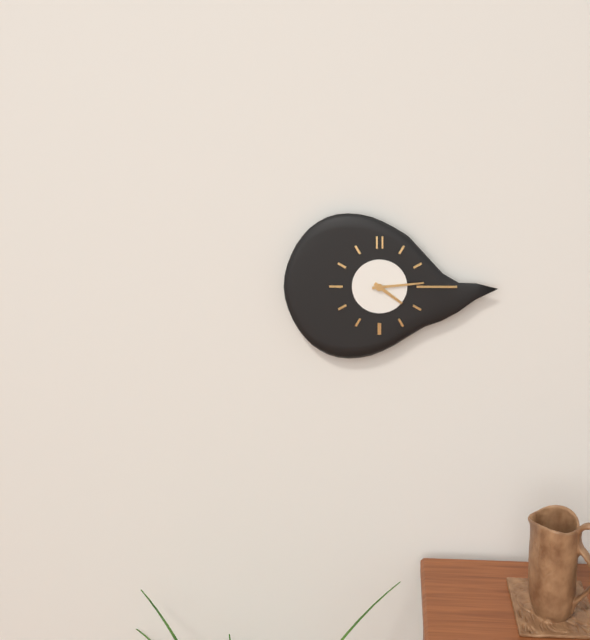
4:14
